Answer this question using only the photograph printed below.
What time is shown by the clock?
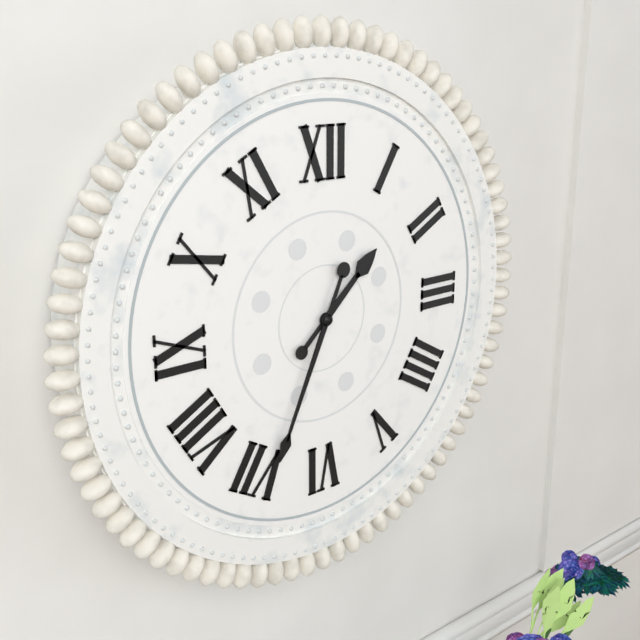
1:34
